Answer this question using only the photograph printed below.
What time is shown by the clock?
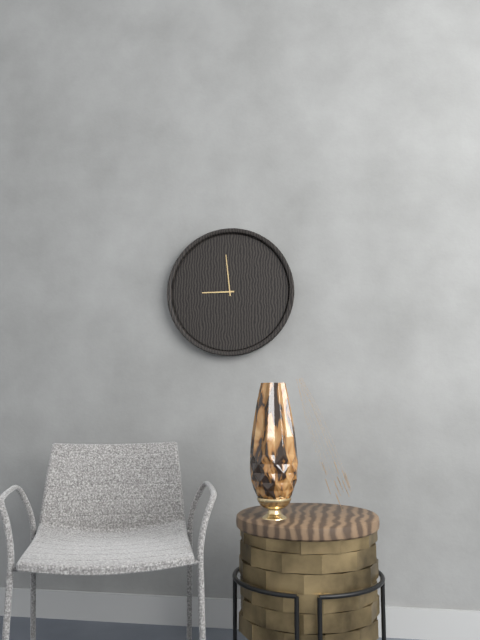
8:59
